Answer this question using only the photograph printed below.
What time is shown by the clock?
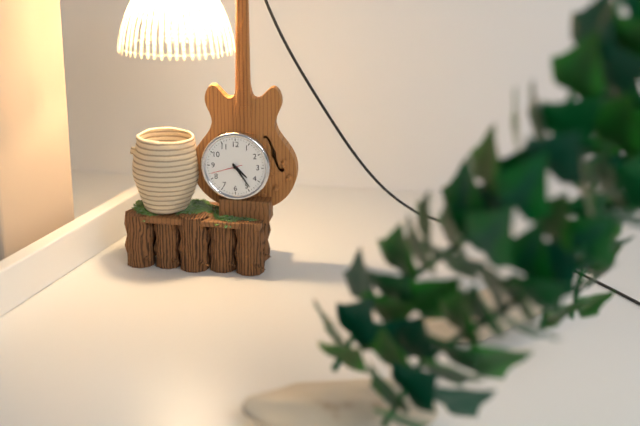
4:24
